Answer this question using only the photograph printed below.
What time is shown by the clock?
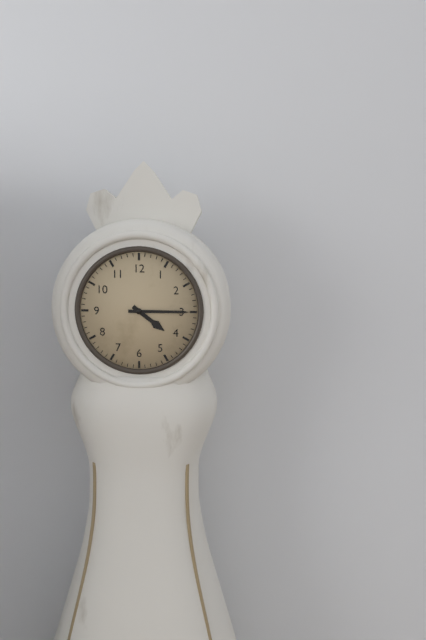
4:15
